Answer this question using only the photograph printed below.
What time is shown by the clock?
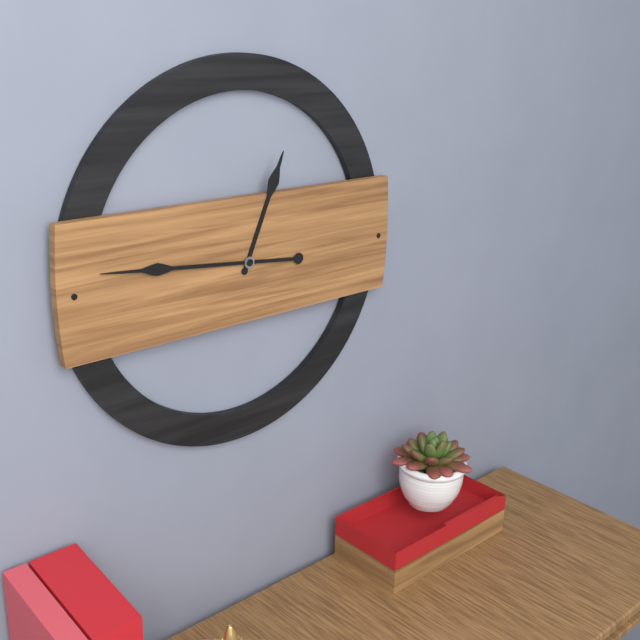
12:46
